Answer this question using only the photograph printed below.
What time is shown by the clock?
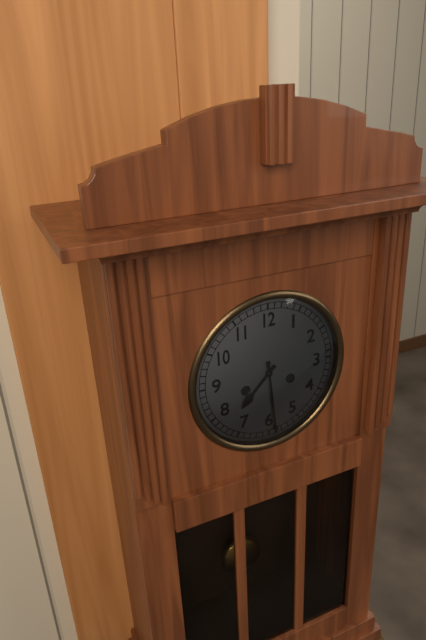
7:29
